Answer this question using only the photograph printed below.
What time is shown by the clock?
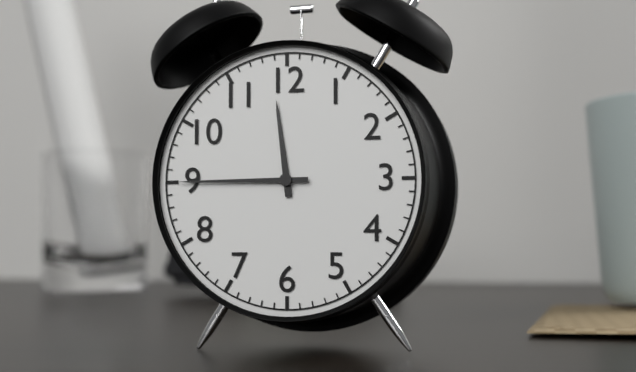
11:45
